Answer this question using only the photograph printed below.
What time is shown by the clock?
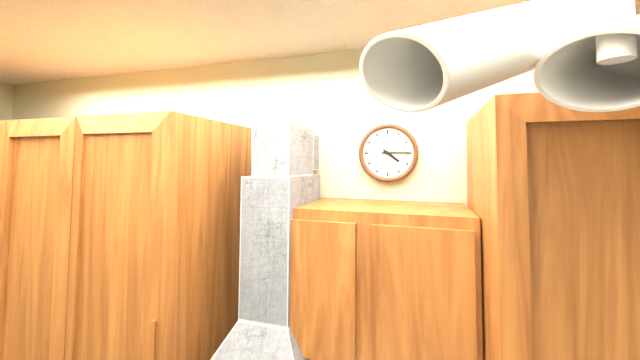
4:15
